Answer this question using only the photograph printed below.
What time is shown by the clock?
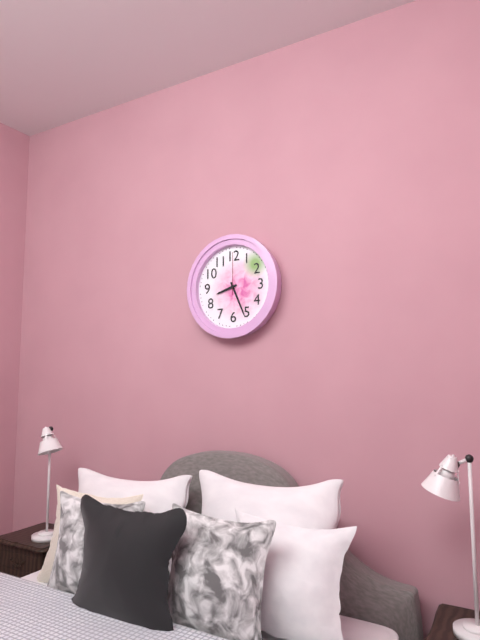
8:26
